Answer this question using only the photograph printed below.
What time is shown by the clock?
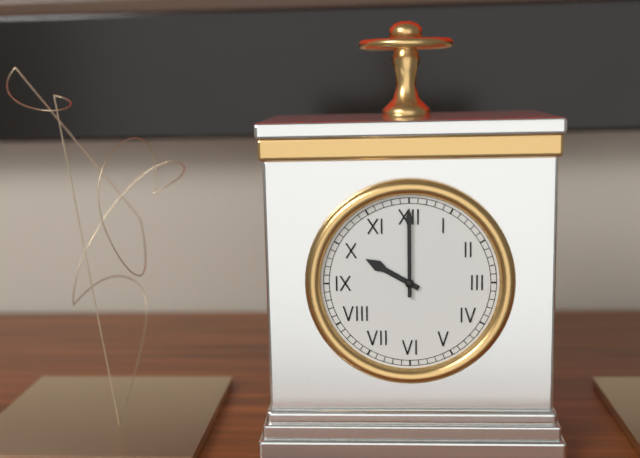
10:00
